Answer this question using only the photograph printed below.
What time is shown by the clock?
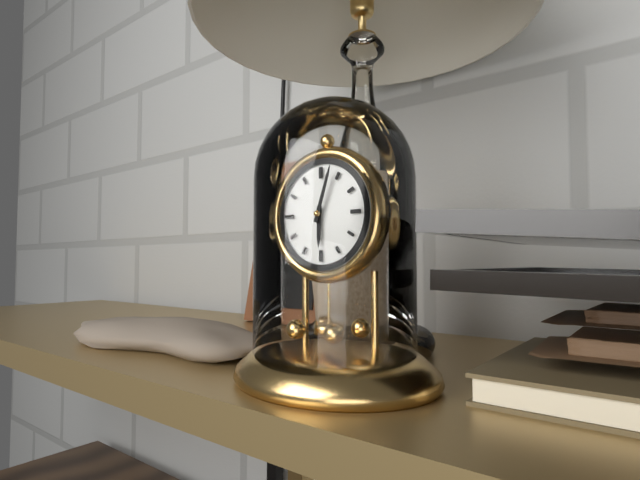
6:03
